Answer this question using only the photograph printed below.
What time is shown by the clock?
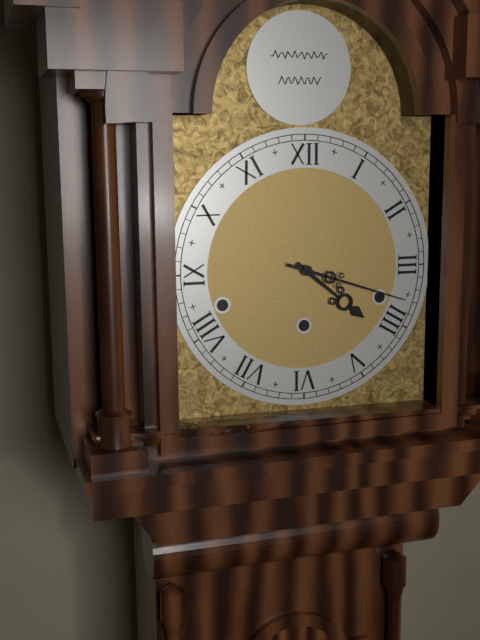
4:18
